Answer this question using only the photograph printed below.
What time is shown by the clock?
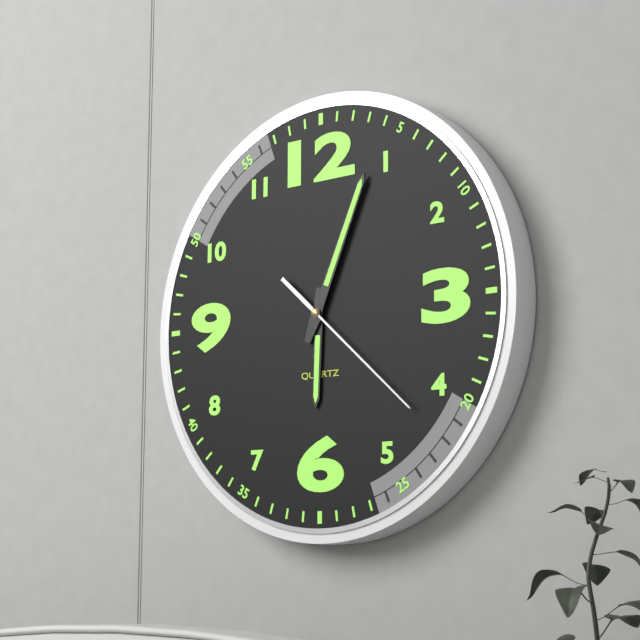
6:04:22
